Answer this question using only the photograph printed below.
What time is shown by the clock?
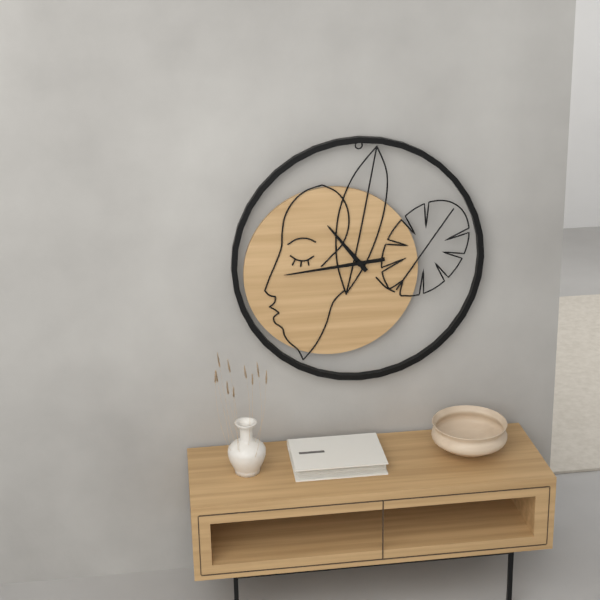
10:44
